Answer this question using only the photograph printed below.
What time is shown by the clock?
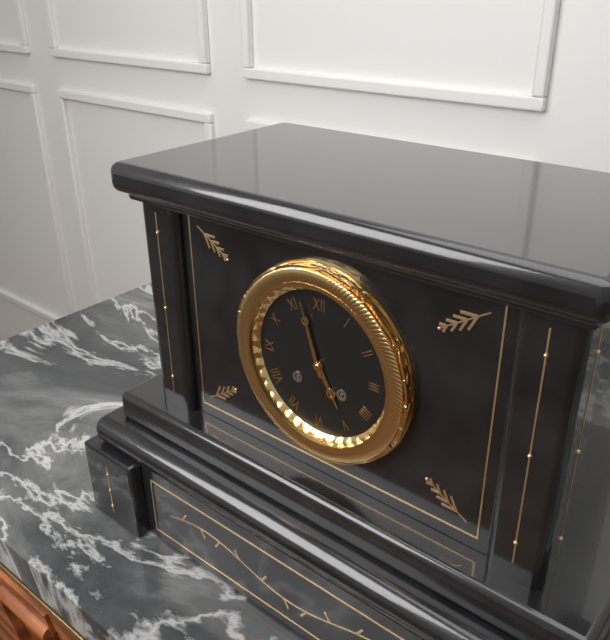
4:57
